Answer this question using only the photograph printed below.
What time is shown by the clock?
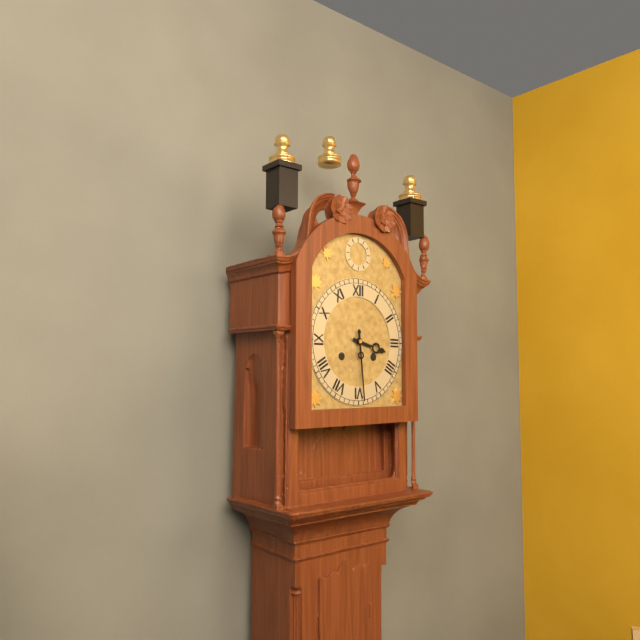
3:29
